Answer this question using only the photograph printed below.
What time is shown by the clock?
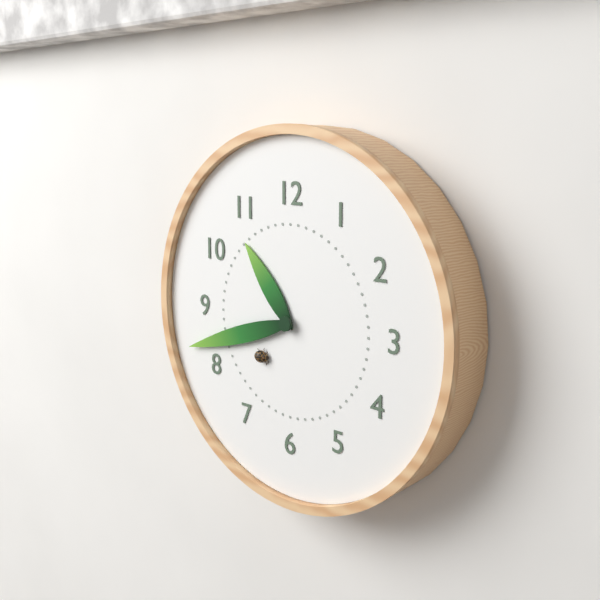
10:42
